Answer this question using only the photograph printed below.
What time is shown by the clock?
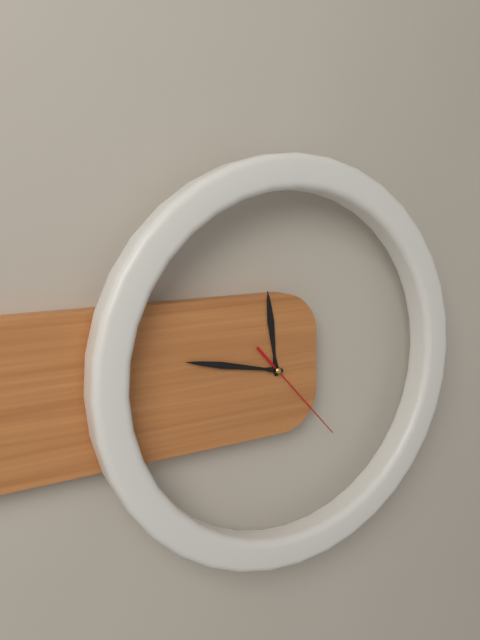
11:47:23
